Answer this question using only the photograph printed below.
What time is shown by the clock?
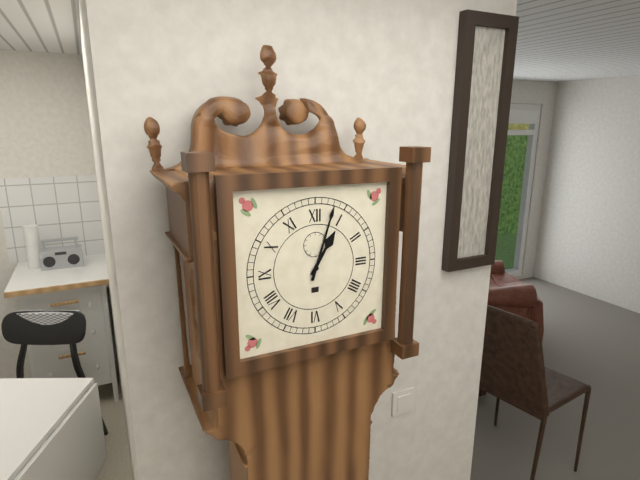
1:03
